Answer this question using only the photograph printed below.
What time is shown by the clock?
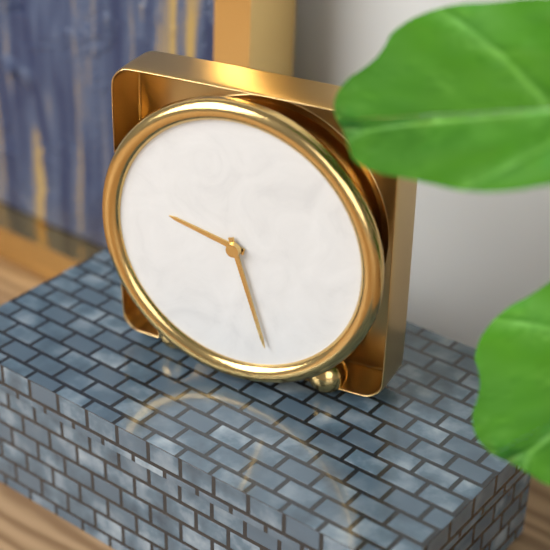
9:27
